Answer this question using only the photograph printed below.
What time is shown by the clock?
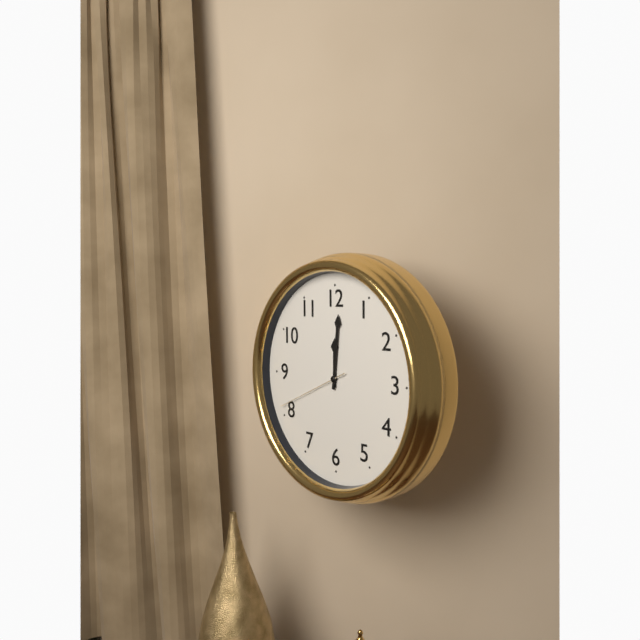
12:01:41
